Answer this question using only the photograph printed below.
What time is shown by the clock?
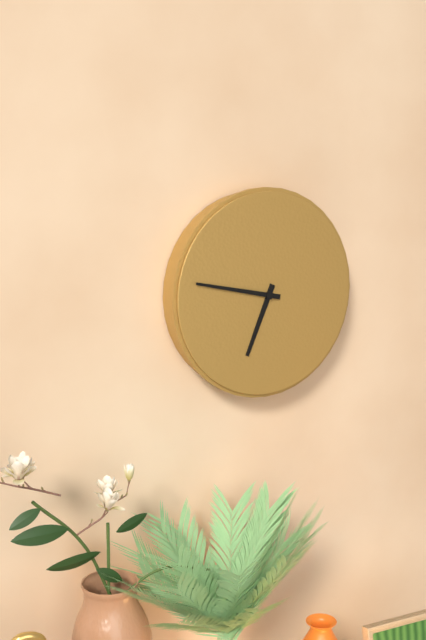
6:47
